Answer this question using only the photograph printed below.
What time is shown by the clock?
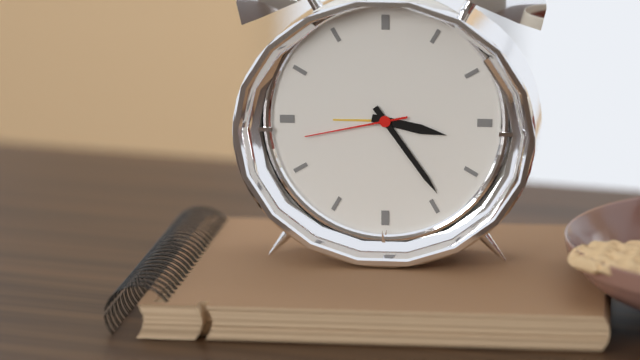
3:24:43
